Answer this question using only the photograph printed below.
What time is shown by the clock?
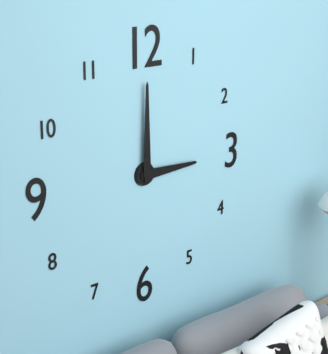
3:00
